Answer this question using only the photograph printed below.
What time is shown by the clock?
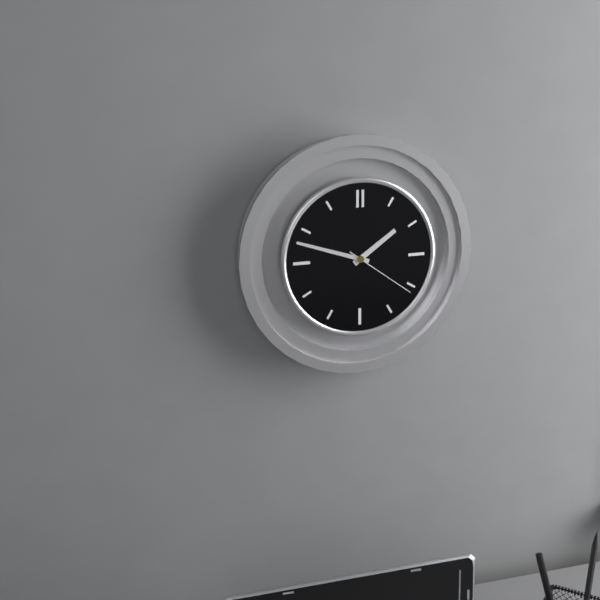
1:48:21
